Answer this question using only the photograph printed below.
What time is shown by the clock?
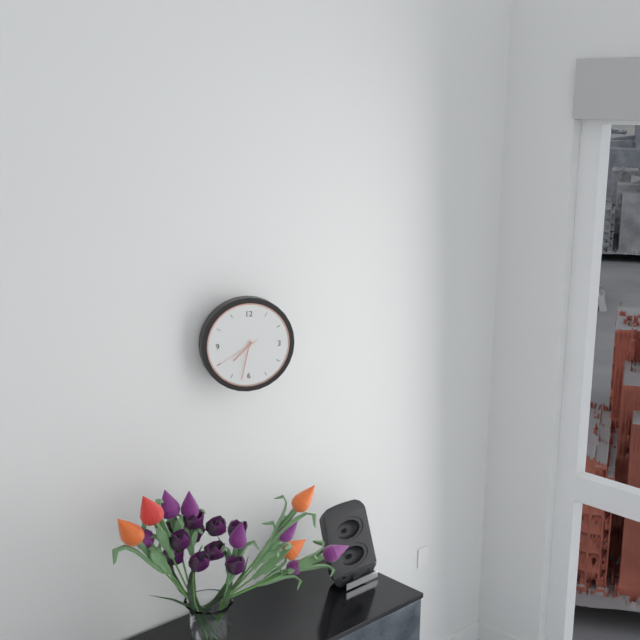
7:32
